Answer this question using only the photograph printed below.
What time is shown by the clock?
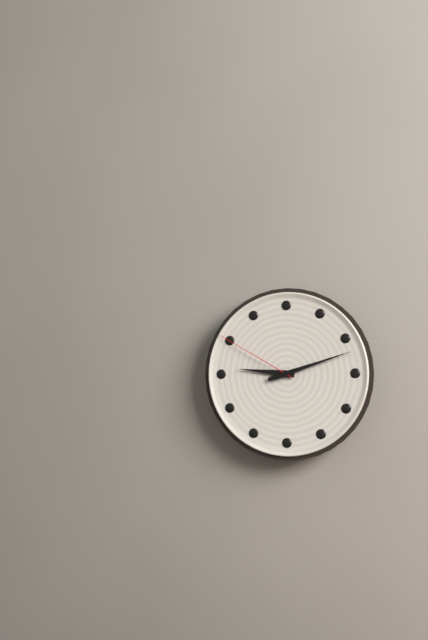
9:12:50
